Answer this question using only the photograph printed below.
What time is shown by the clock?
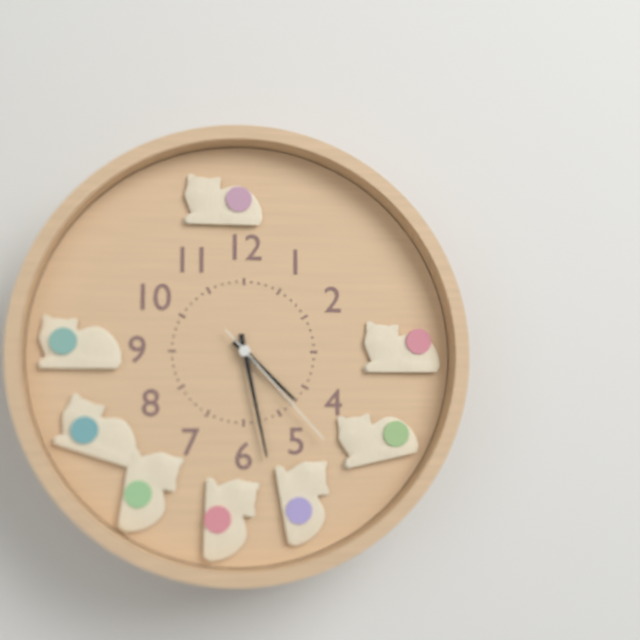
4:28:23
